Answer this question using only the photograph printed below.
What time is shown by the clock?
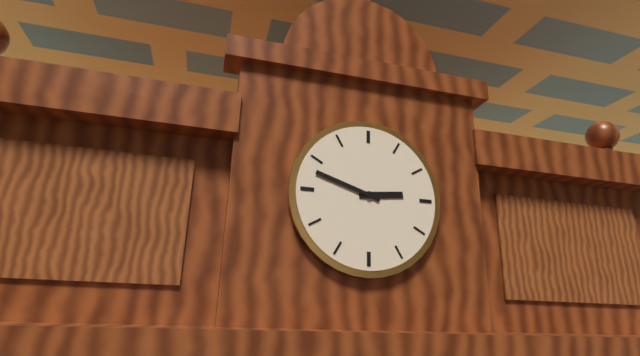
2:48
